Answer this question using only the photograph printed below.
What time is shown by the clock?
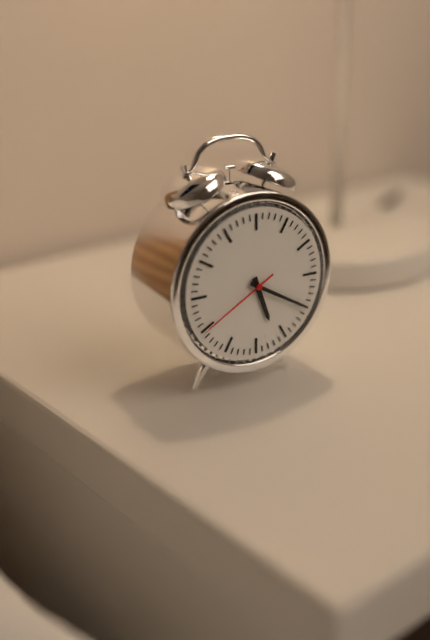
5:20:40
